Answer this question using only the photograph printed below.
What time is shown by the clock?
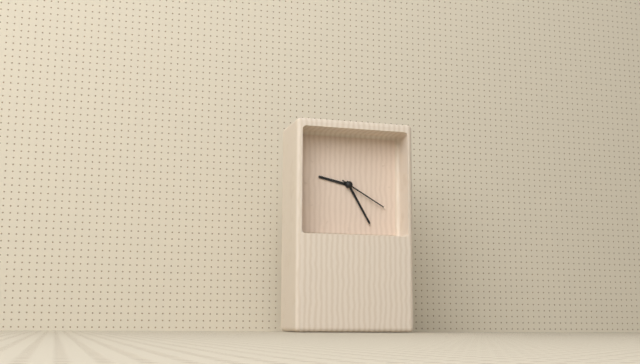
9:25:20
